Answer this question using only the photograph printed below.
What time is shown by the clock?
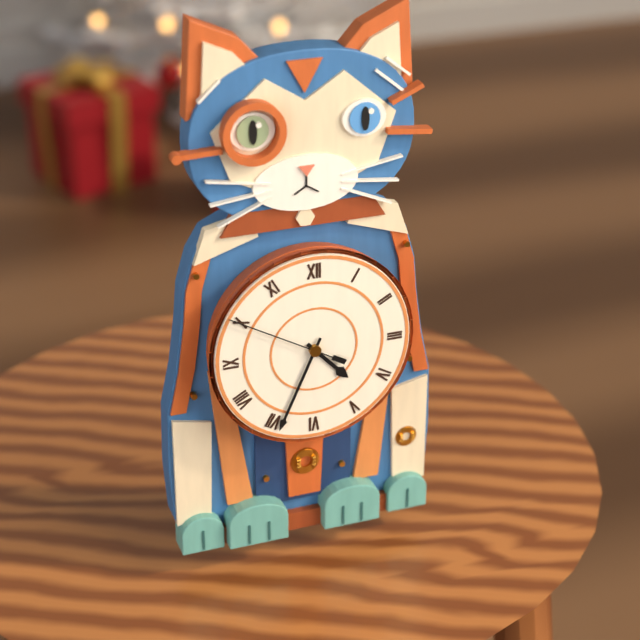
4:34:50
